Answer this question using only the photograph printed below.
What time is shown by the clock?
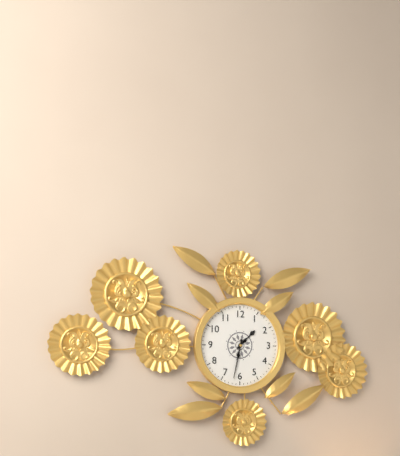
1:32
